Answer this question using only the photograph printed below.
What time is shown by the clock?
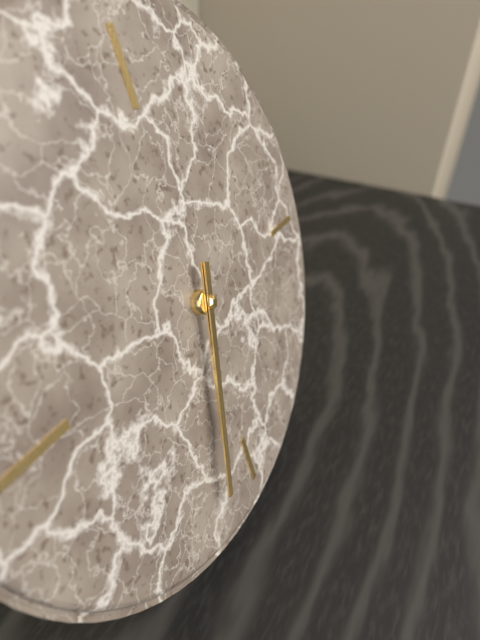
6:33
